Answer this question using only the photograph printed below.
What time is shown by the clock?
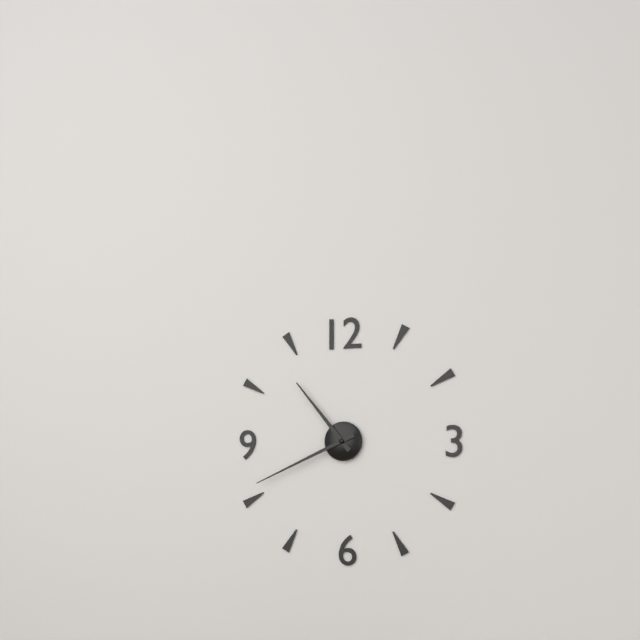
10:41
